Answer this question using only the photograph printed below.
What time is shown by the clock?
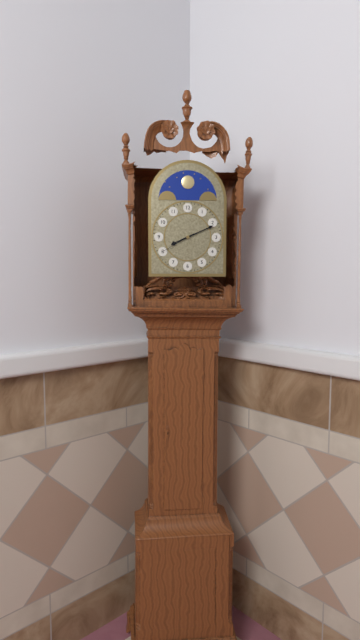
8:11
